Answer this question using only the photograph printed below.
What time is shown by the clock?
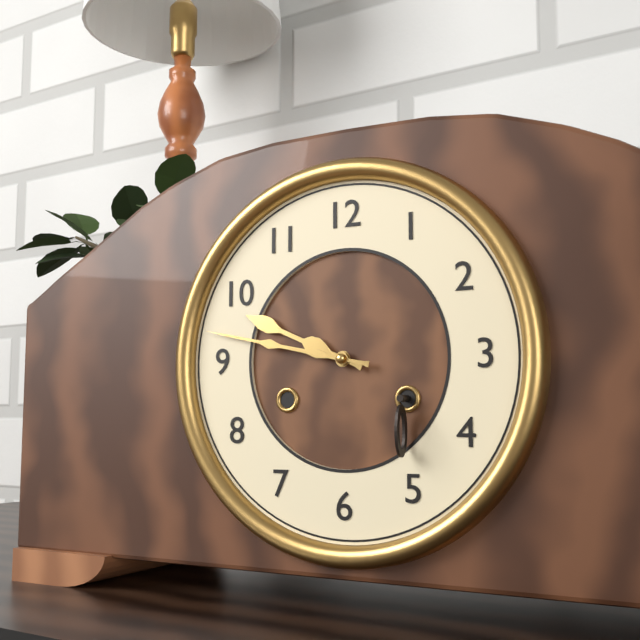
9:47
